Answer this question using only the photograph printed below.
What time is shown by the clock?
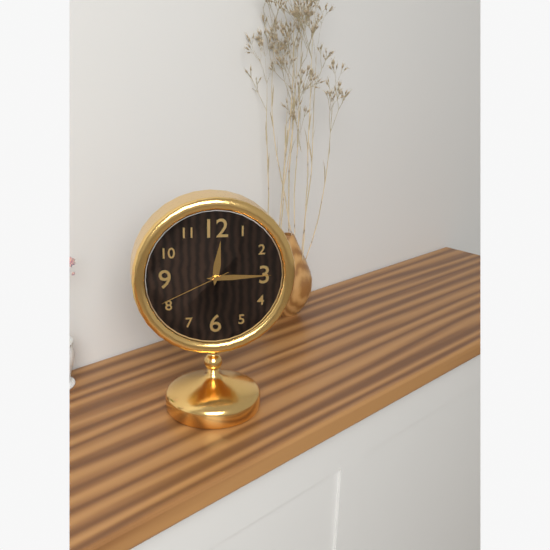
12:15:41
